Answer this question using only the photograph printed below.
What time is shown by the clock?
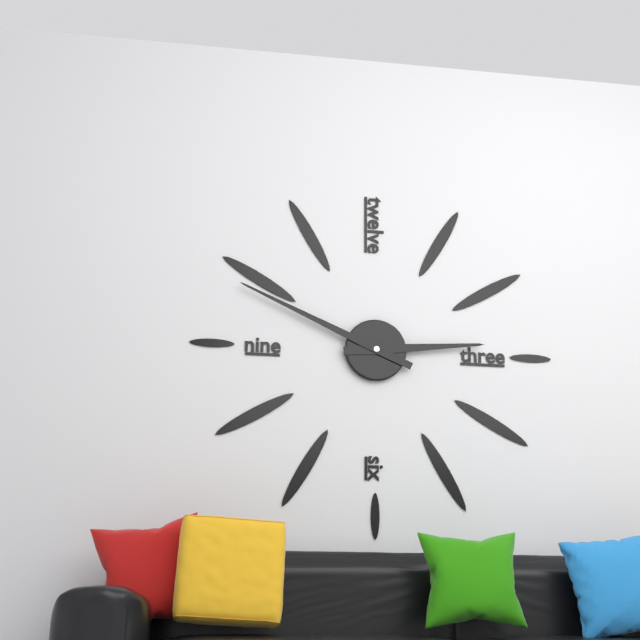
2:49
